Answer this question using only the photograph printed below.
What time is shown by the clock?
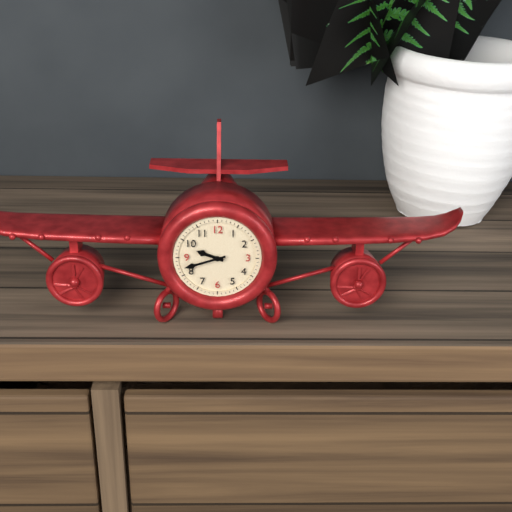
9:42
